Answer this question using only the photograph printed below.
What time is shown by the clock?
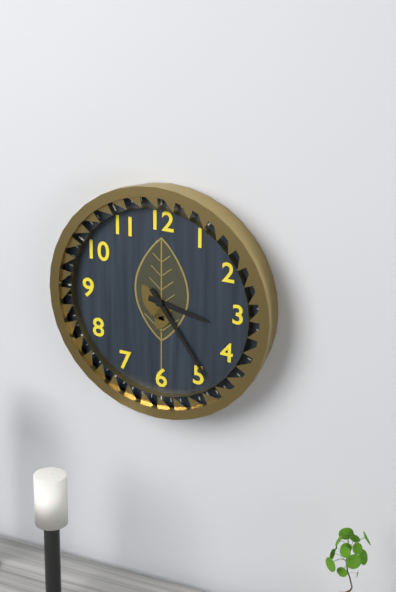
3:24
